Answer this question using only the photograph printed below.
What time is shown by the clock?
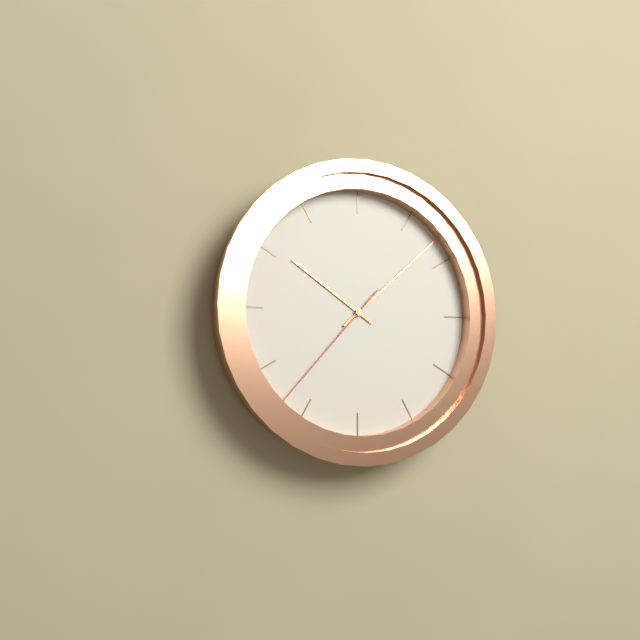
10:08:37
